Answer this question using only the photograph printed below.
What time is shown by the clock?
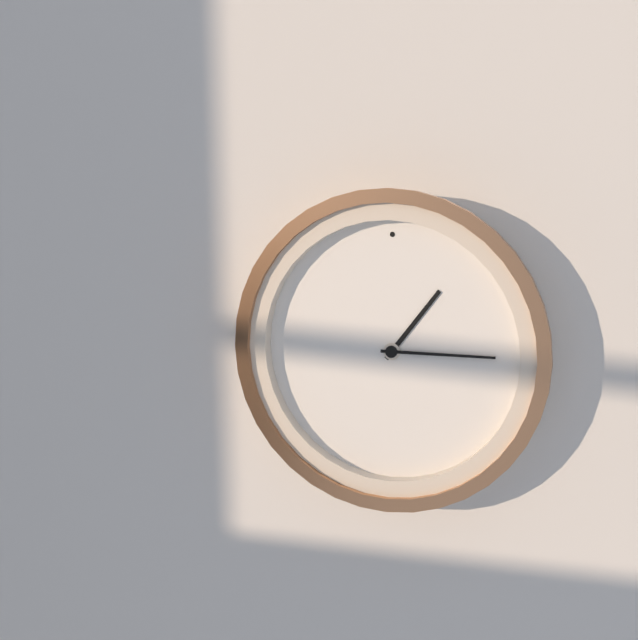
1:15
